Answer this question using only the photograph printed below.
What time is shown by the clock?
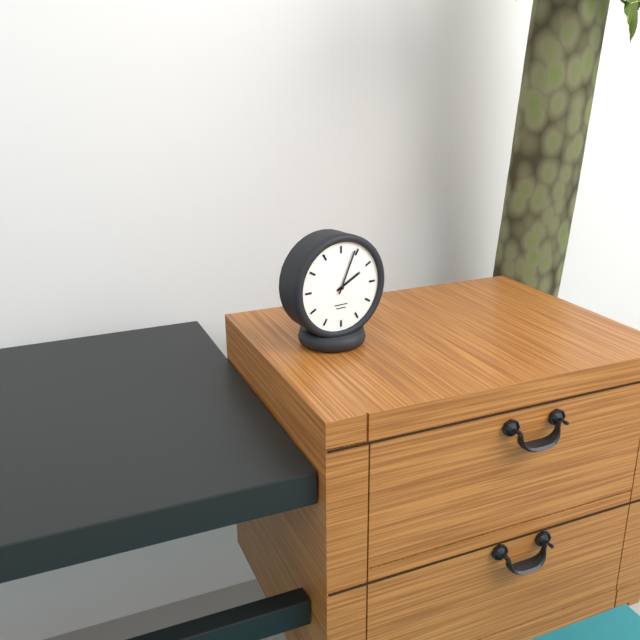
2:04
